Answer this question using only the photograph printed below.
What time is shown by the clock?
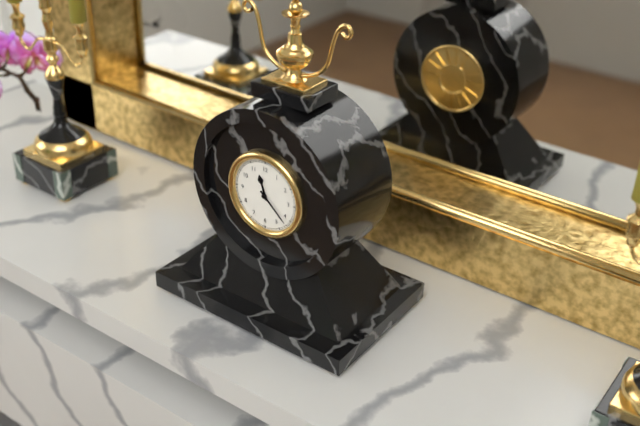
11:22
